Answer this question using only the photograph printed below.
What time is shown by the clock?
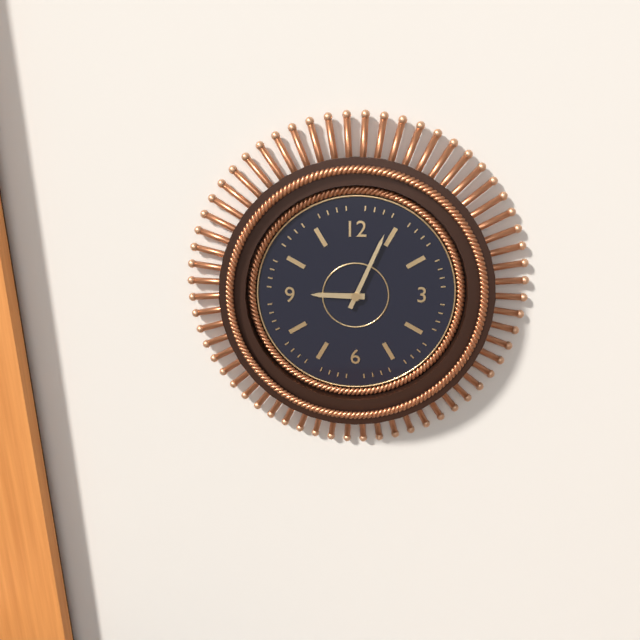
9:04
